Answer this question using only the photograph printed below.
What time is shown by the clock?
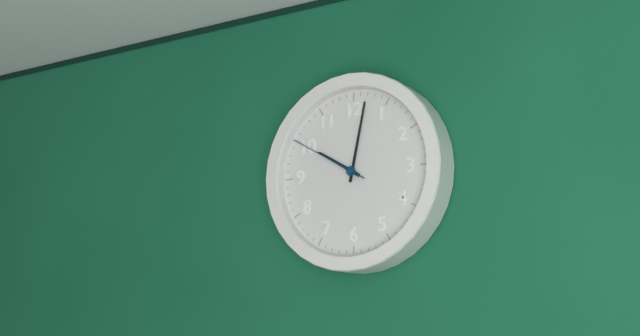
10:02:50
